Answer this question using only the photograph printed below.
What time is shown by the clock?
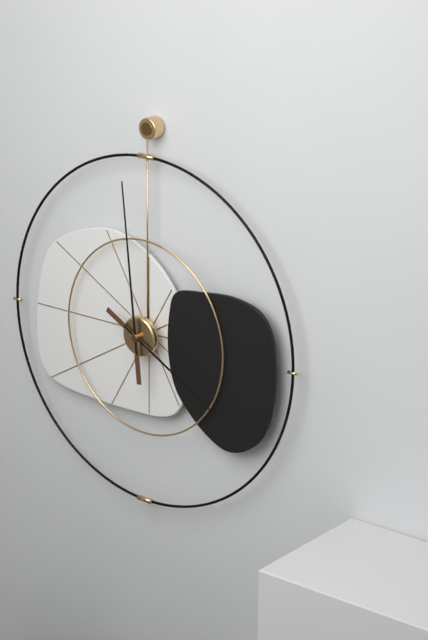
3:59
